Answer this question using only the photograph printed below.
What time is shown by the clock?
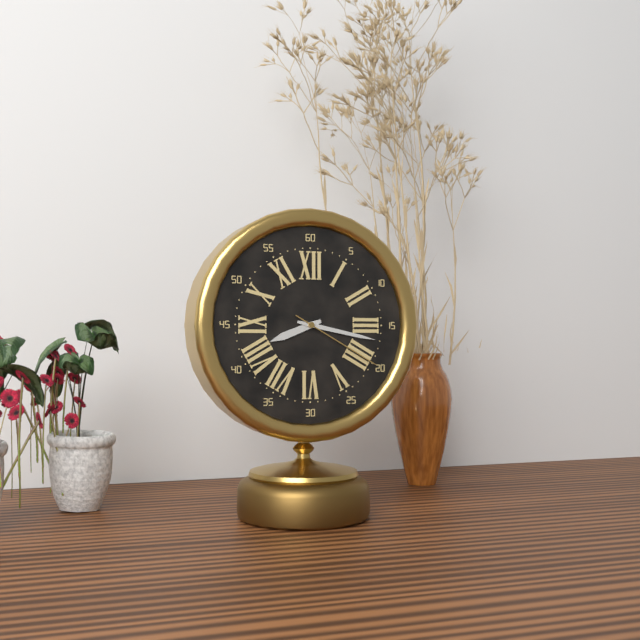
8:17:20
